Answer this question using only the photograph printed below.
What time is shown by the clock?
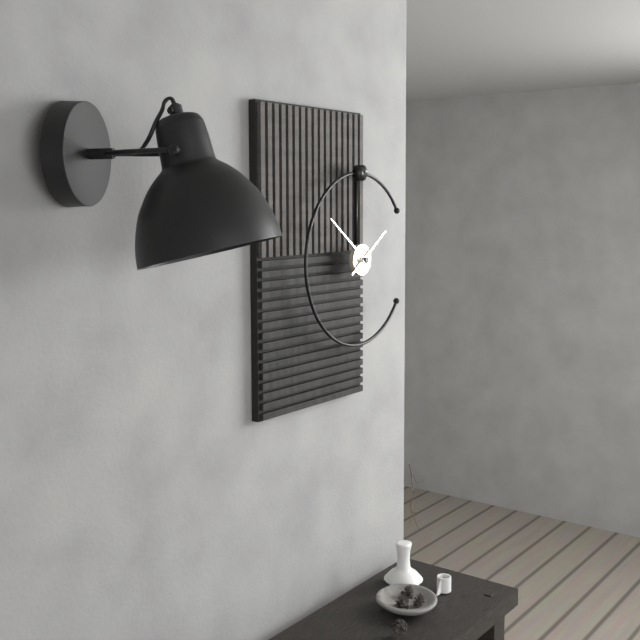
1:51
